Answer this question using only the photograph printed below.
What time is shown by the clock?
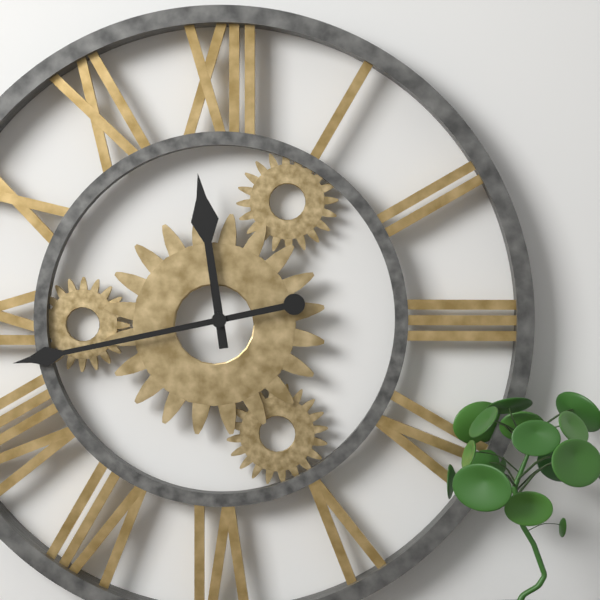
11:43
